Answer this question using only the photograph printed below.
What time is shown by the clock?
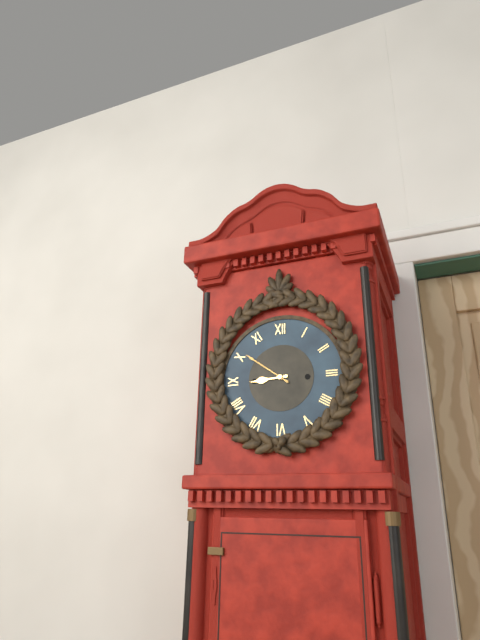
8:51
